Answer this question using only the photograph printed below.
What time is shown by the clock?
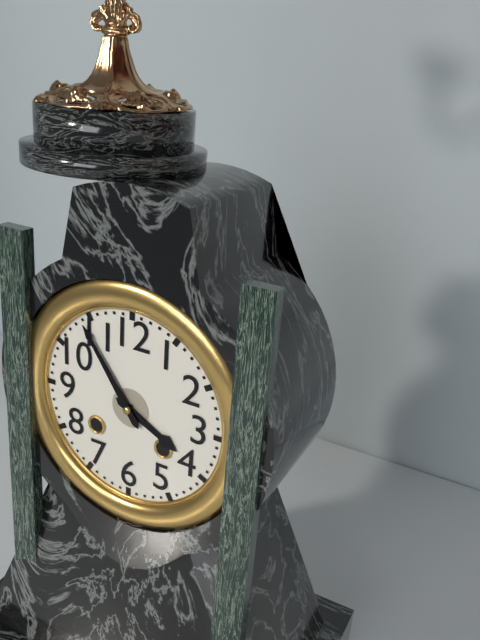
3:54
